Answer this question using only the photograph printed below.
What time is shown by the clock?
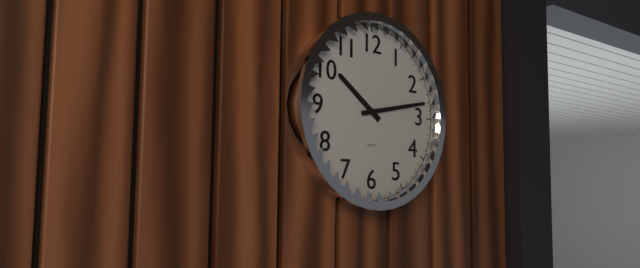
10:13
